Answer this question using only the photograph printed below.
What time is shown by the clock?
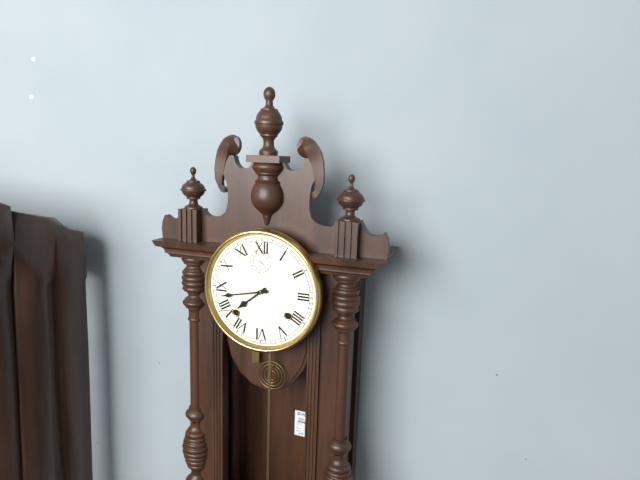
7:43
